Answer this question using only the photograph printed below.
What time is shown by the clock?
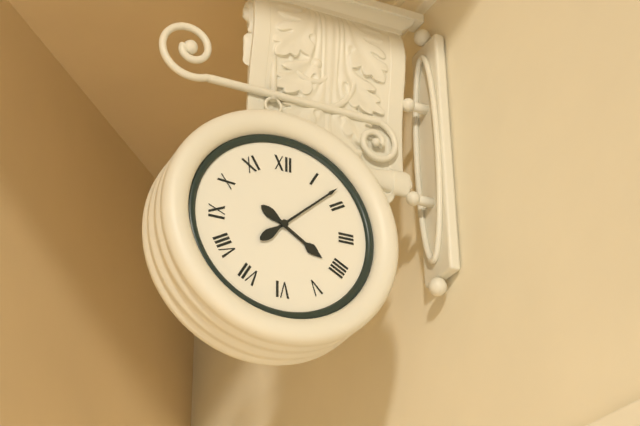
4:08
